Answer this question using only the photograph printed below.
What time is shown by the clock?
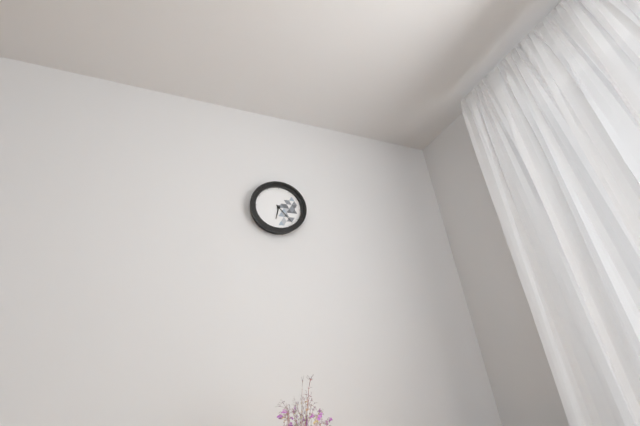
6:23
